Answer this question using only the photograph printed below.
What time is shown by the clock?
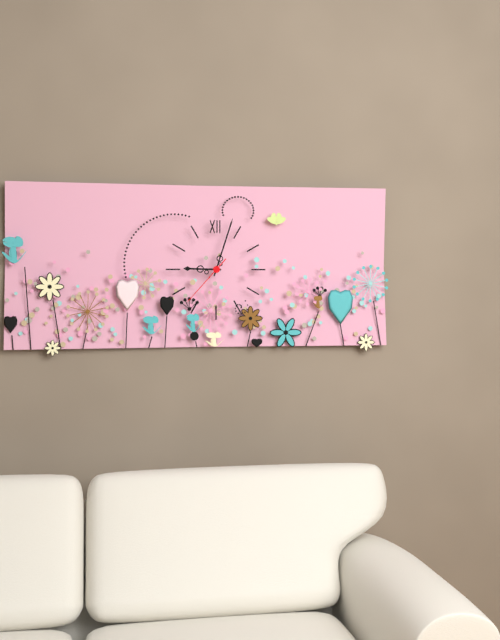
9:03:37
